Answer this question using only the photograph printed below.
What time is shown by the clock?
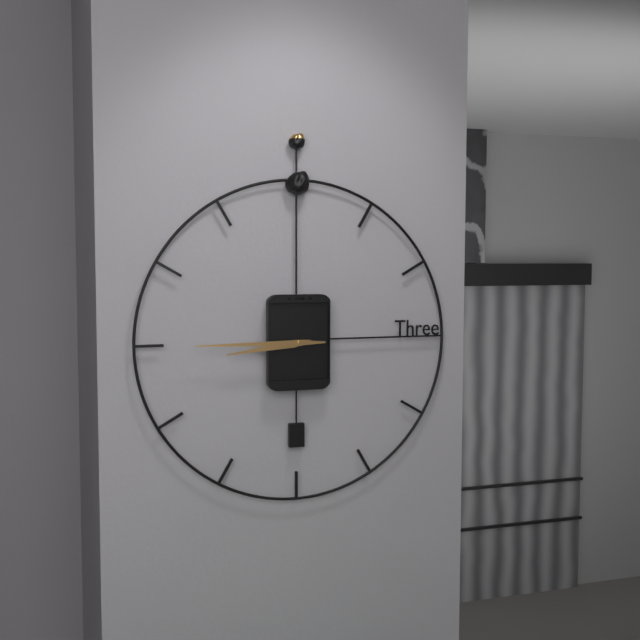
8:45
